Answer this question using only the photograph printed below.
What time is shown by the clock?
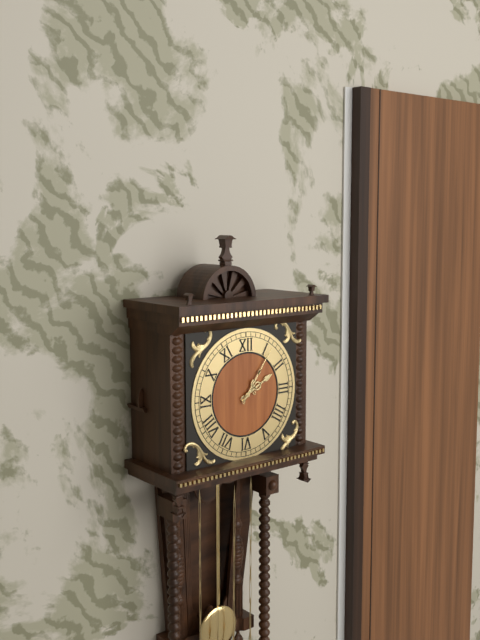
2:06
